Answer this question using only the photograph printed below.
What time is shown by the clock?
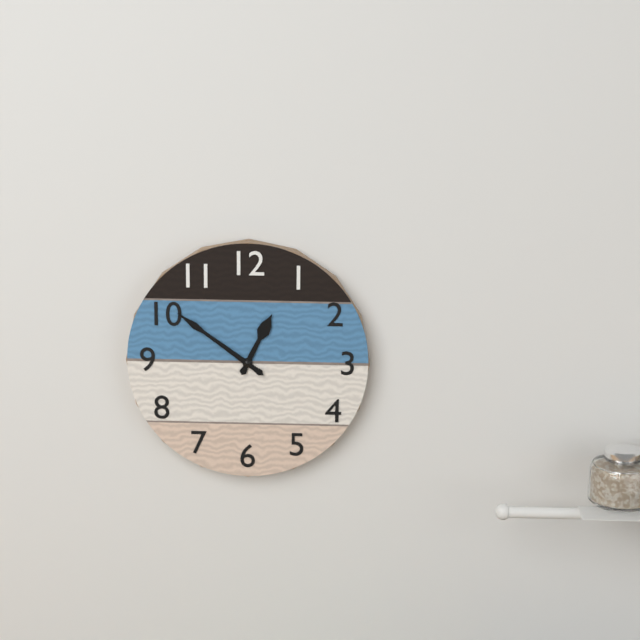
12:51
